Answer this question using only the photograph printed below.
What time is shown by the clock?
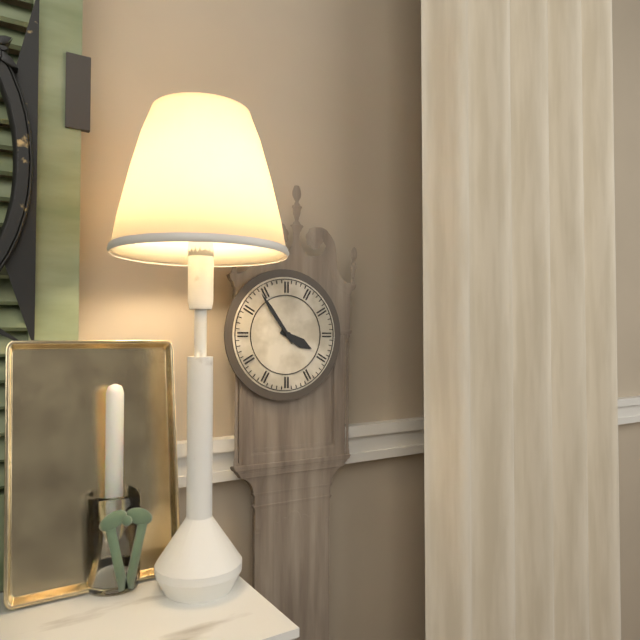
3:54
